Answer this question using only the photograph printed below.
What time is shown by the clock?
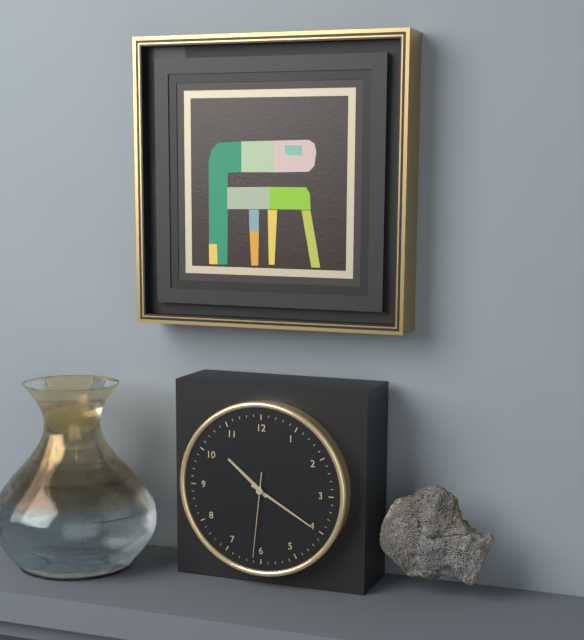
10:20:31
